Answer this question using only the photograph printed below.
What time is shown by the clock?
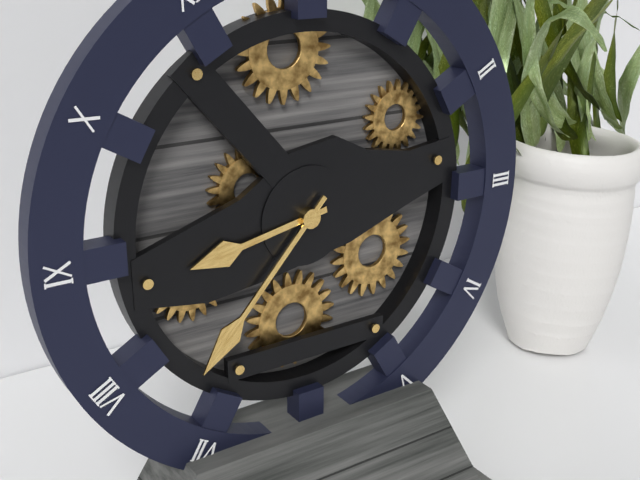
8:37
